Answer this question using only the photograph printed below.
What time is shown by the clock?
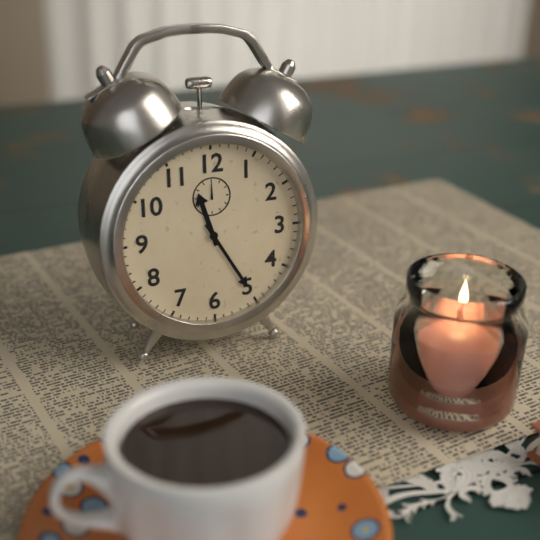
11:25
